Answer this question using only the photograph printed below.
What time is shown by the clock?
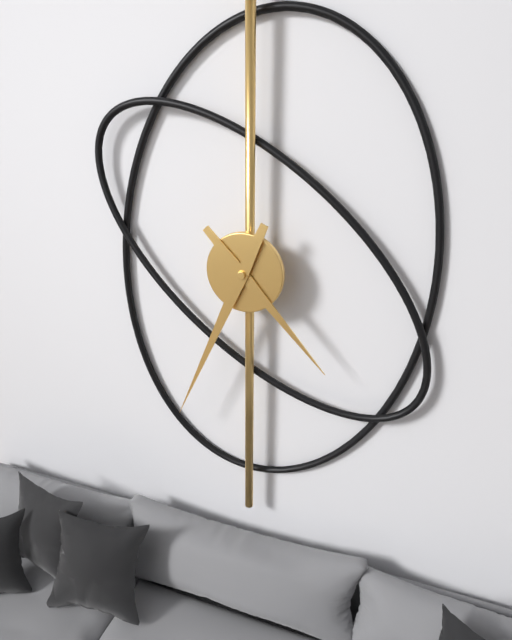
4:34
